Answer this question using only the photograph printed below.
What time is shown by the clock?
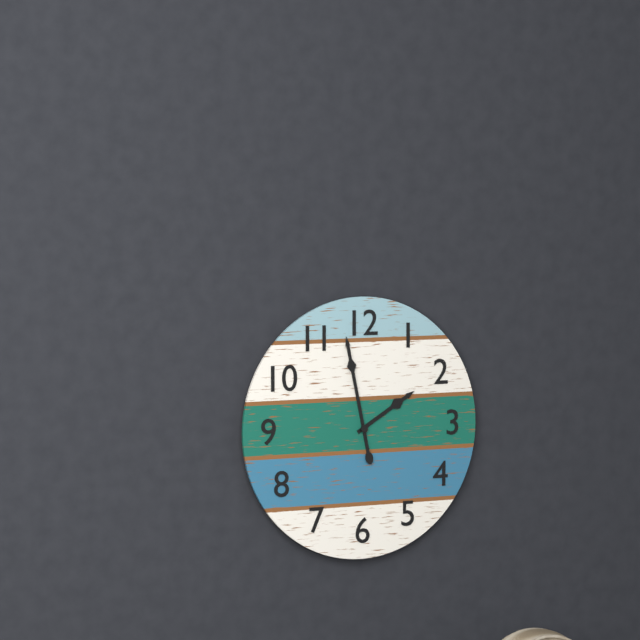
1:58
